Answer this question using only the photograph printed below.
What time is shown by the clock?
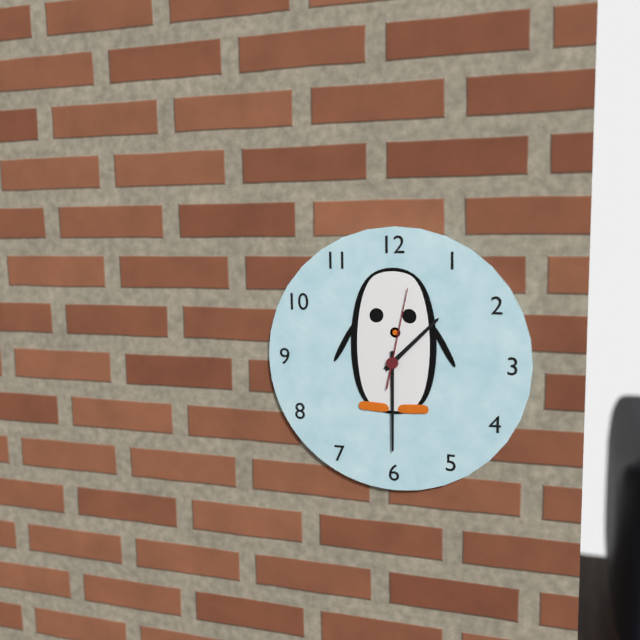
1:30:02
